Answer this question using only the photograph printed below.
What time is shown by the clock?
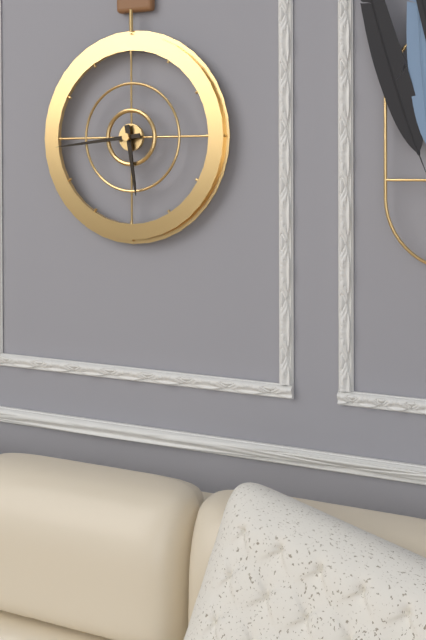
5:44
